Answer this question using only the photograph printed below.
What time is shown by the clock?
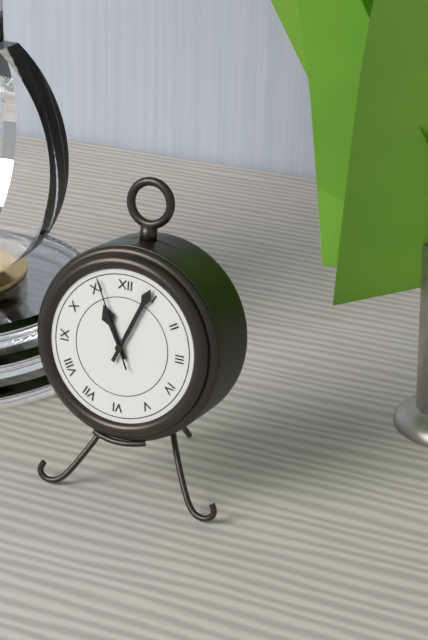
11:04:56
